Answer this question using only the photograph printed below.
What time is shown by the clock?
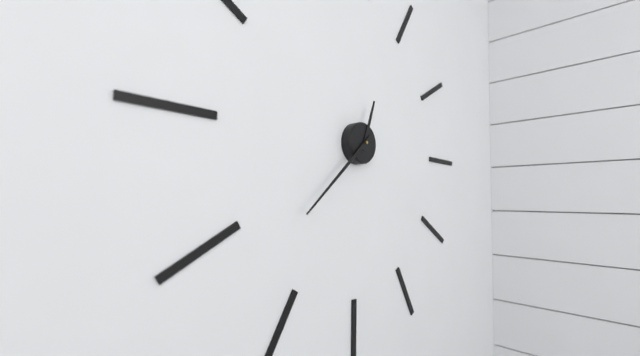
12:38
